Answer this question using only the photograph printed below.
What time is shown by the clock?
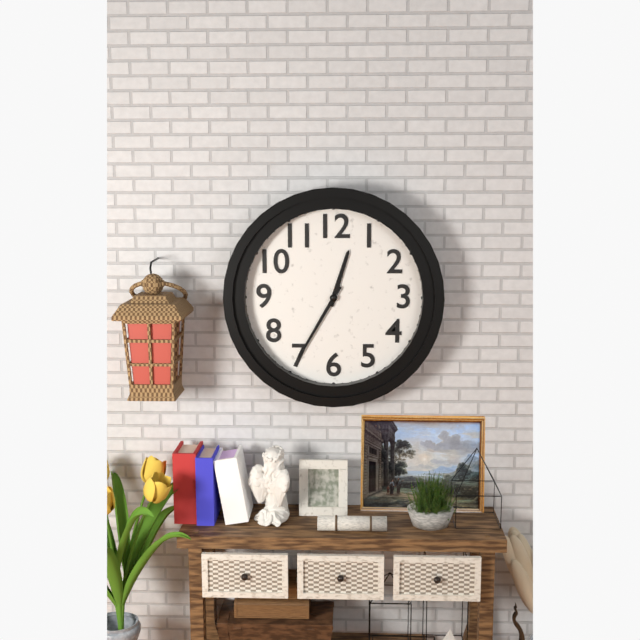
12:35
